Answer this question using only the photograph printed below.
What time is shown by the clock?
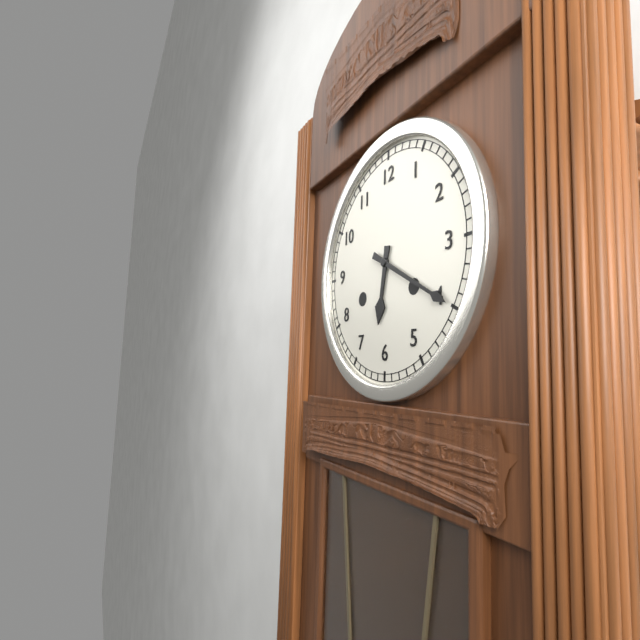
6:20
